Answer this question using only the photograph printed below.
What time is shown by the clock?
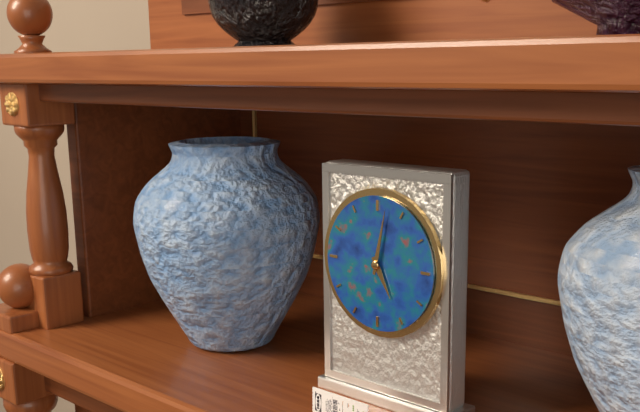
5:02
